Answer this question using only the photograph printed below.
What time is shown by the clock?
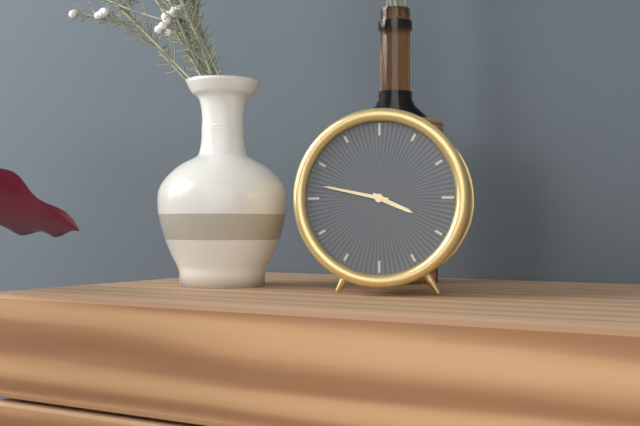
3:47
